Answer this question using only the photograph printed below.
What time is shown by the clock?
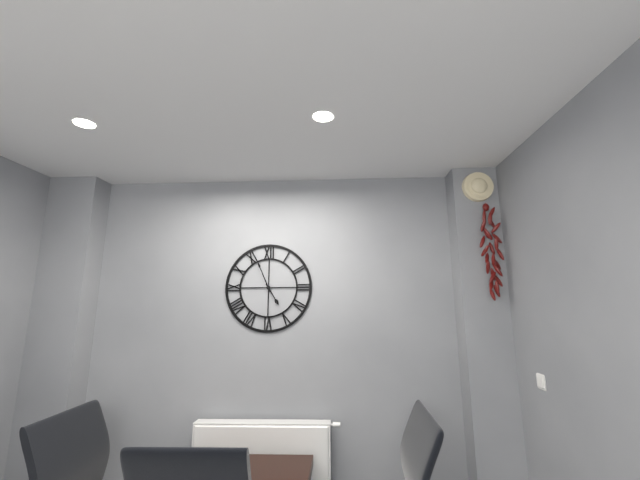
4:56
